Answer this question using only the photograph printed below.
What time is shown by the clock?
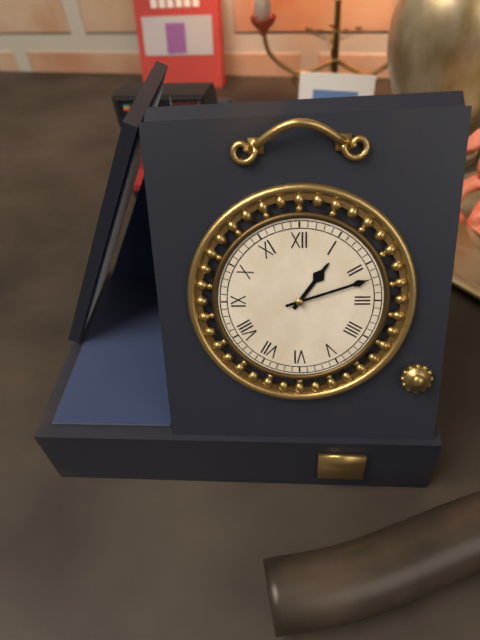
1:12
